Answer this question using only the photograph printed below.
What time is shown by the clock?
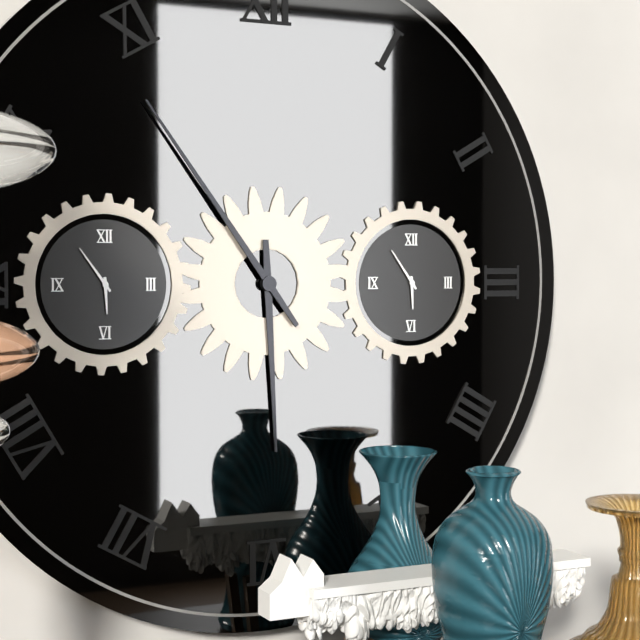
5:54
